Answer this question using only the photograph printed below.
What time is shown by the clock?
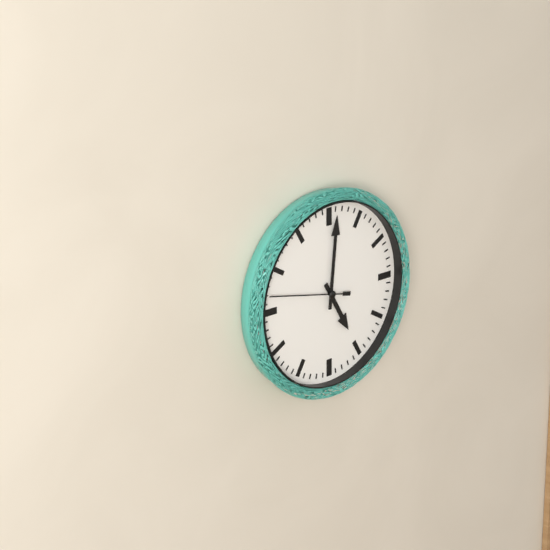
5:01:47
